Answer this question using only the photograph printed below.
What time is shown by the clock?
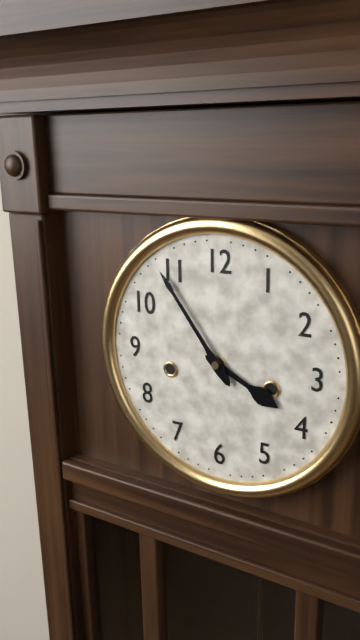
3:54
